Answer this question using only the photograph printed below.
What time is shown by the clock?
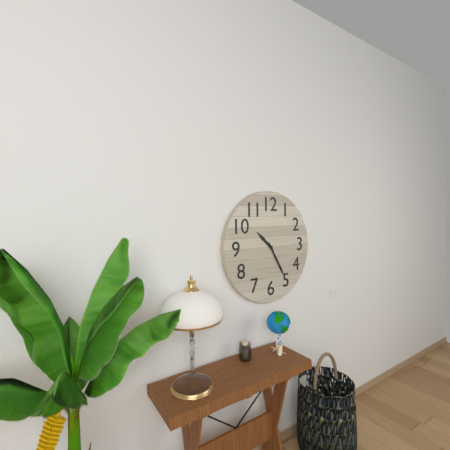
10:25
